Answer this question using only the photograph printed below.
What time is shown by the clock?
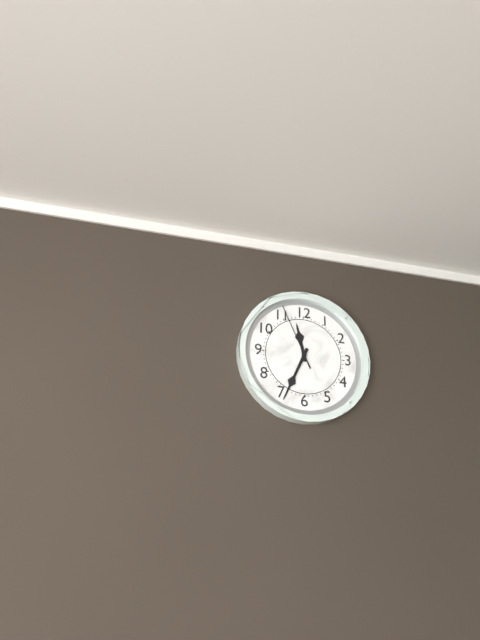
11:34:56
